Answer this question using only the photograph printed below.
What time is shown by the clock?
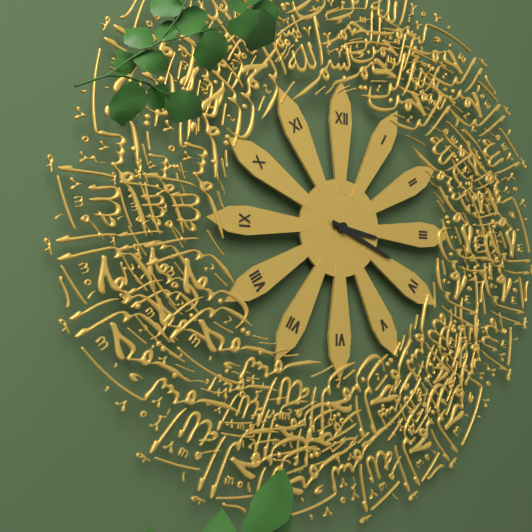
3:19
